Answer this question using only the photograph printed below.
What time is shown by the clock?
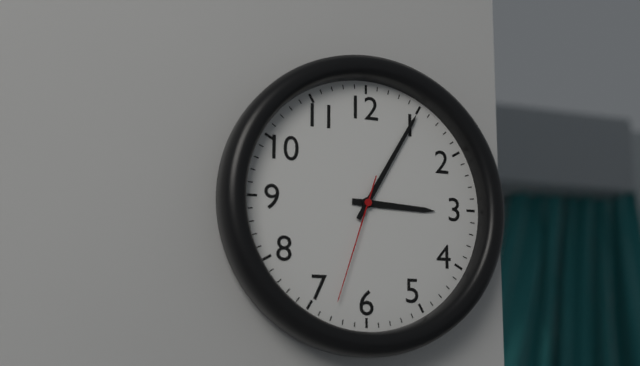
3:05:33
